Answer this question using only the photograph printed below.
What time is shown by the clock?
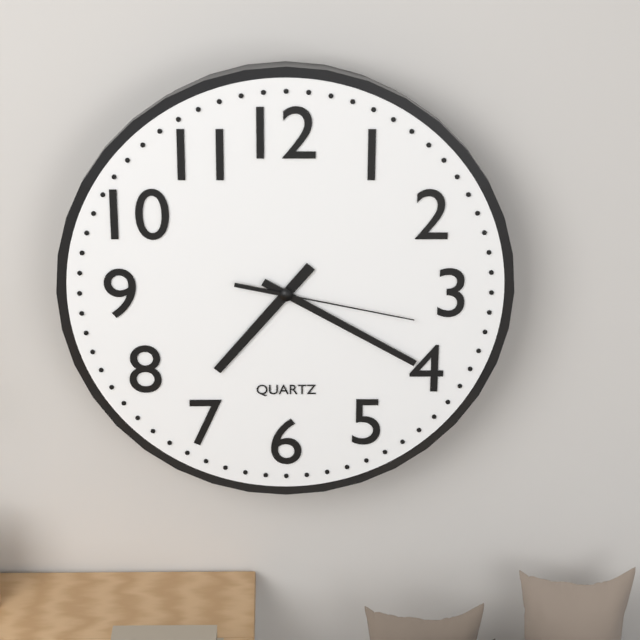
7:20:17
